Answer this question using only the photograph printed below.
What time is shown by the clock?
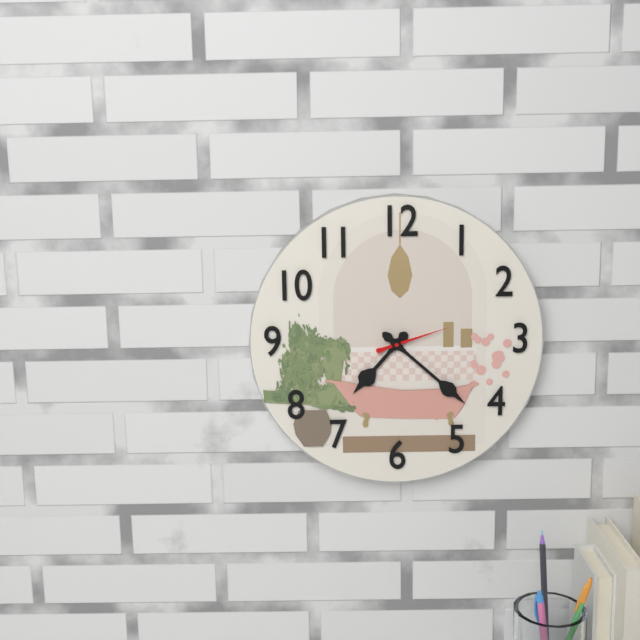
7:22:12
